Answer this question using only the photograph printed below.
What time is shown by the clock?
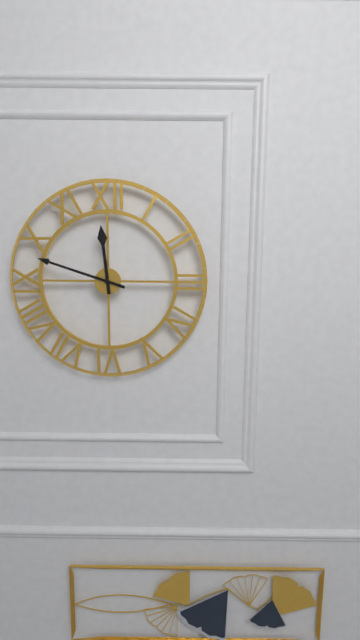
11:48
